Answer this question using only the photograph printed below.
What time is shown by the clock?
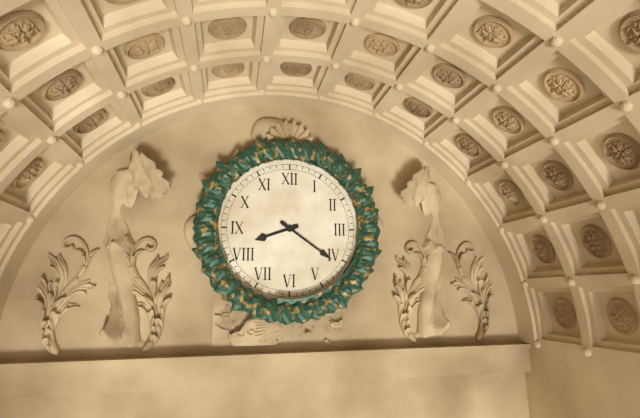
8:21
